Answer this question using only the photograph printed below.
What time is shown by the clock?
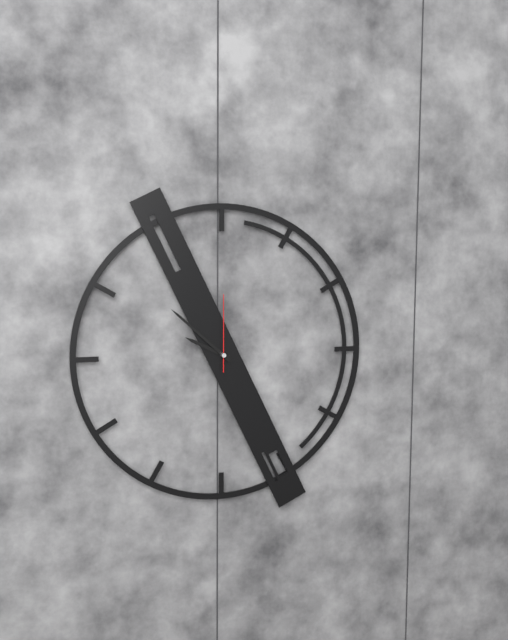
9:52:00
